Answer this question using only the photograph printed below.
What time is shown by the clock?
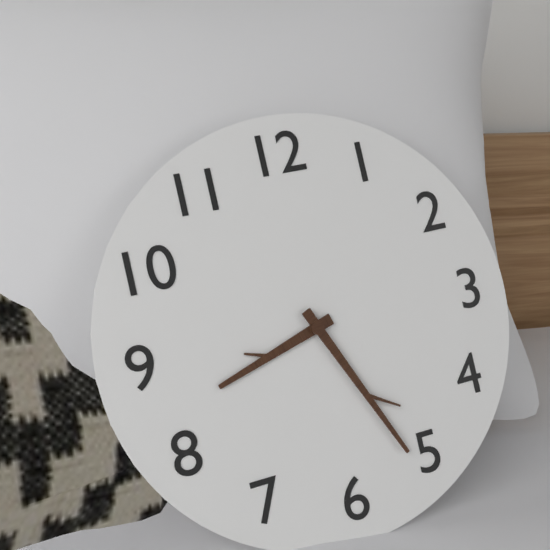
8:26
